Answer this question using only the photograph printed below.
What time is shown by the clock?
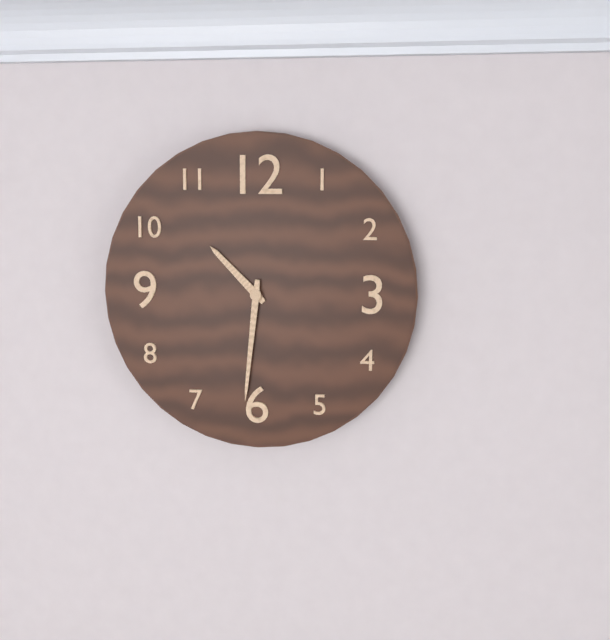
10:31
